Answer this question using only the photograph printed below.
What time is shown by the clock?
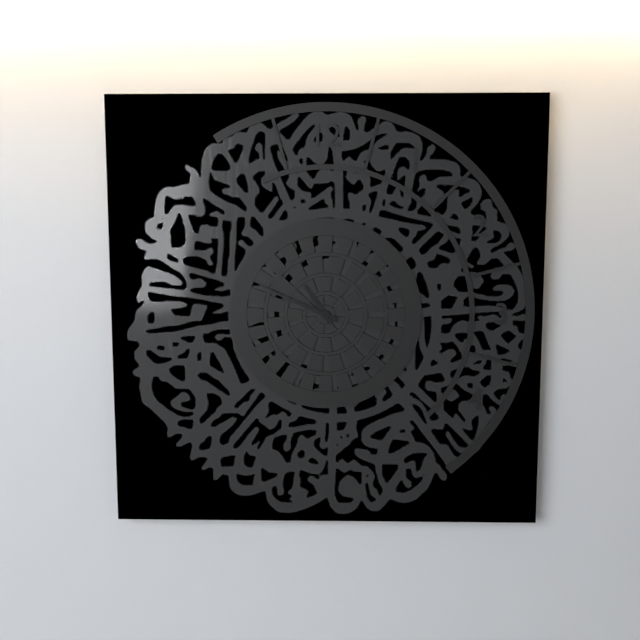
10:49
